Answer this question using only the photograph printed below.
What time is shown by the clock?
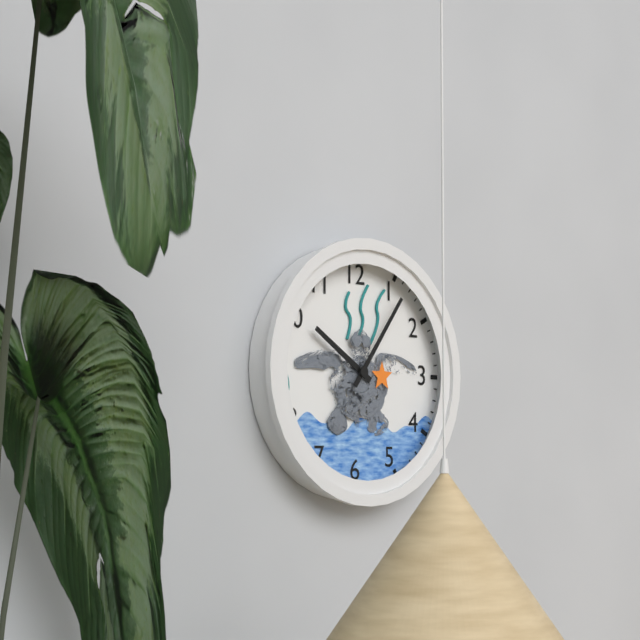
10:06
